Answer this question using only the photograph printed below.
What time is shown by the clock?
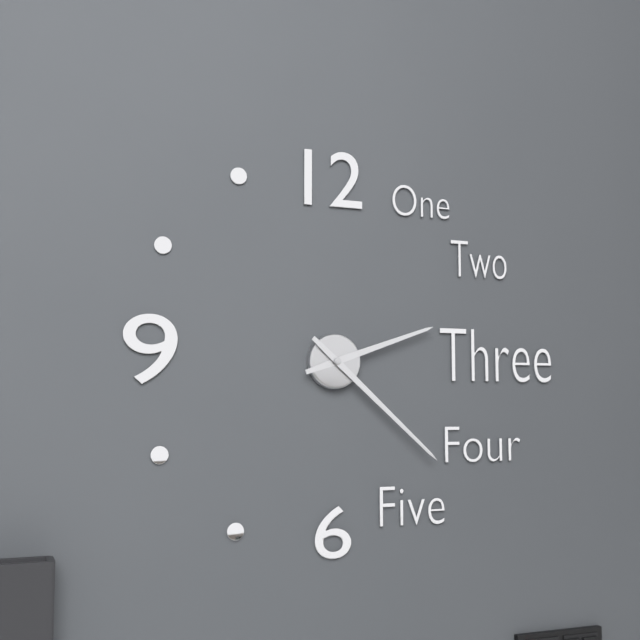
2:22
